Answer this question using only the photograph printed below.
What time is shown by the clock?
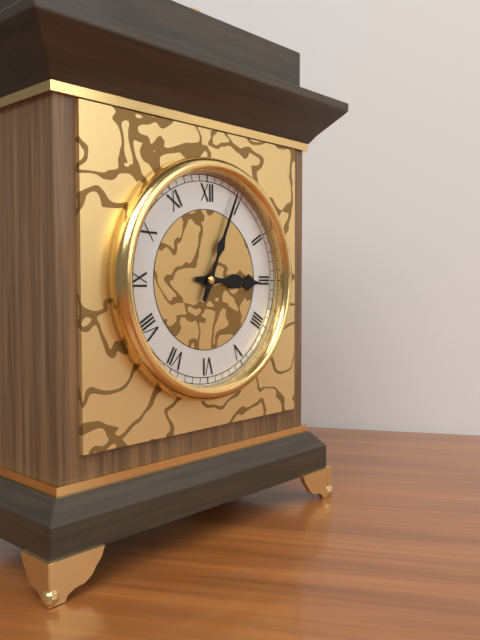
3:04
